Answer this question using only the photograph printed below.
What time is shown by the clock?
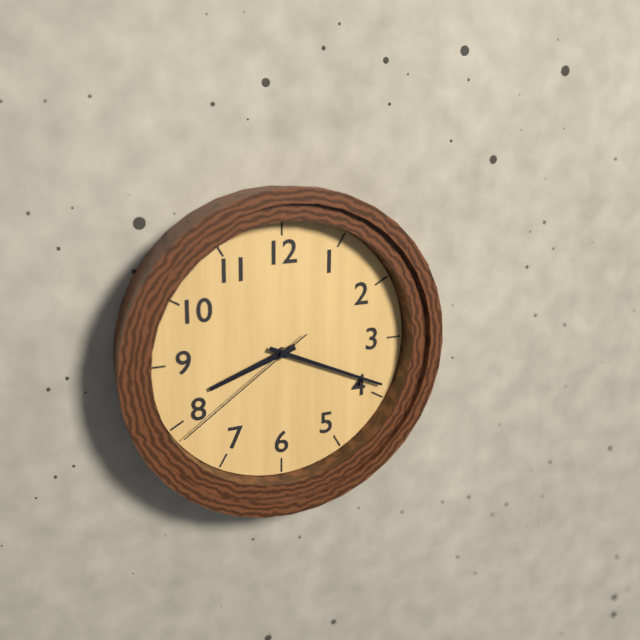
8:19:39
